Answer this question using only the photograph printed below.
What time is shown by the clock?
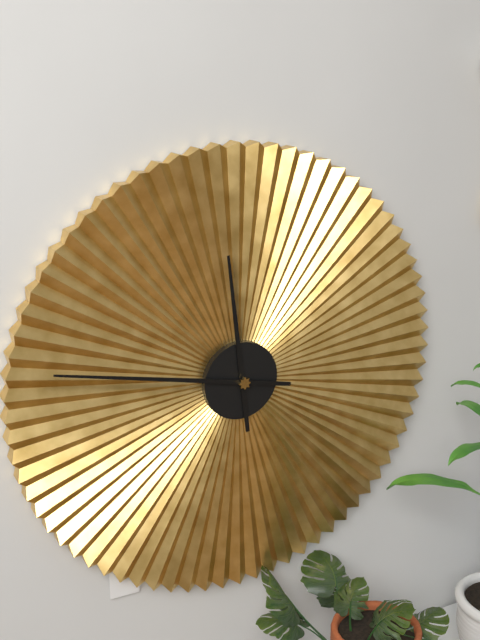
11:47
